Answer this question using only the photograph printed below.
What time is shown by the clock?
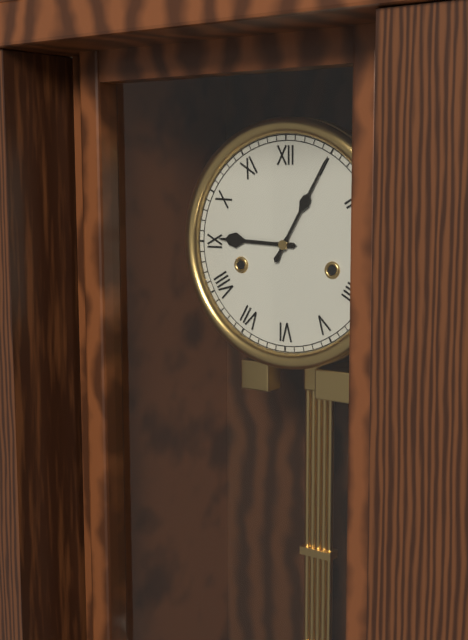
9:05
